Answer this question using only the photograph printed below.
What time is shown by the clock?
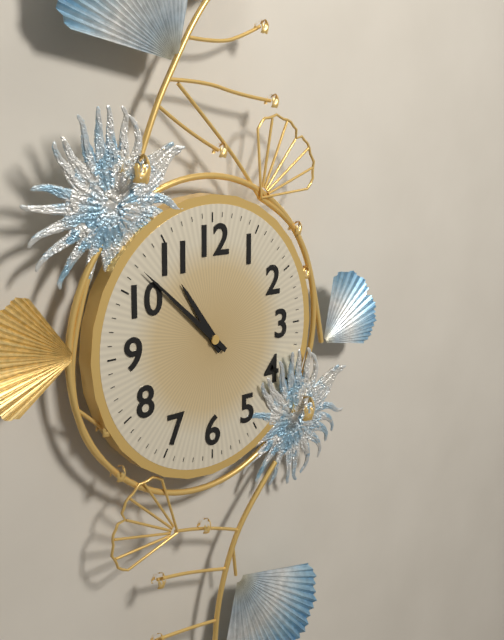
10:52
